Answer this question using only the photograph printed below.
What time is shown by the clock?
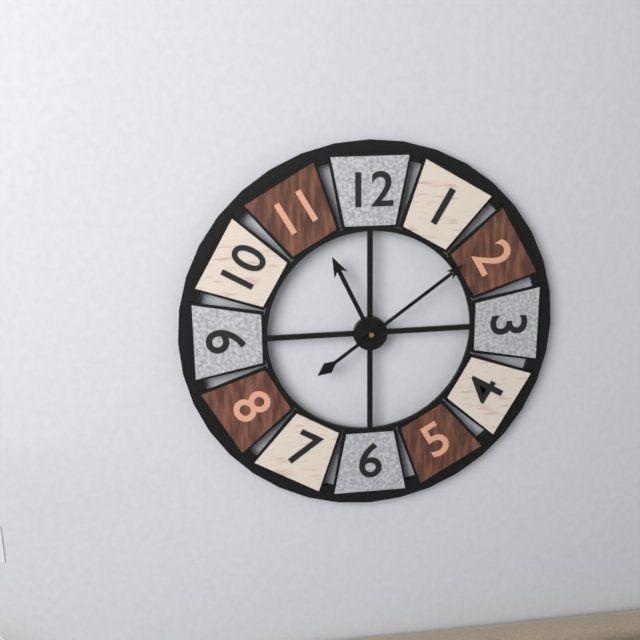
11:09
